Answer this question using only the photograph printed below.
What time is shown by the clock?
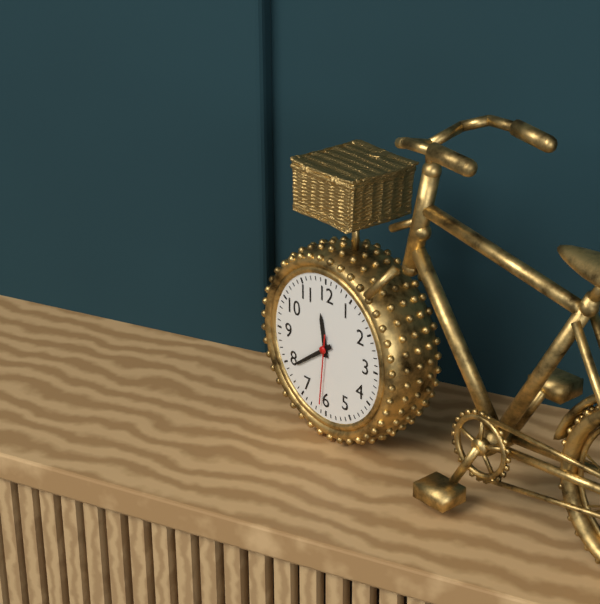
11:39:31
